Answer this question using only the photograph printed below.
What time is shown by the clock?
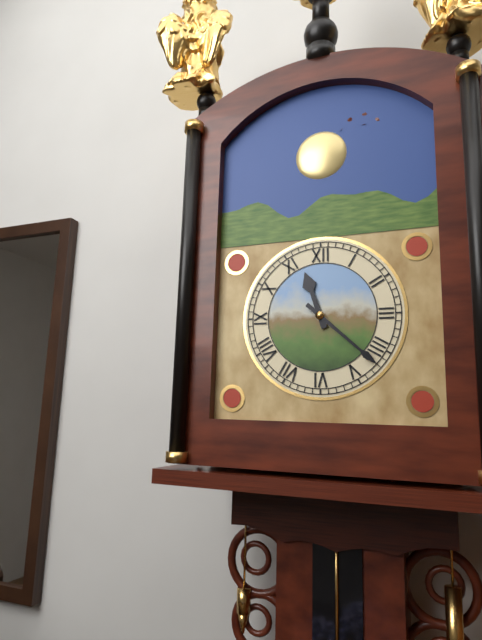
11:22
